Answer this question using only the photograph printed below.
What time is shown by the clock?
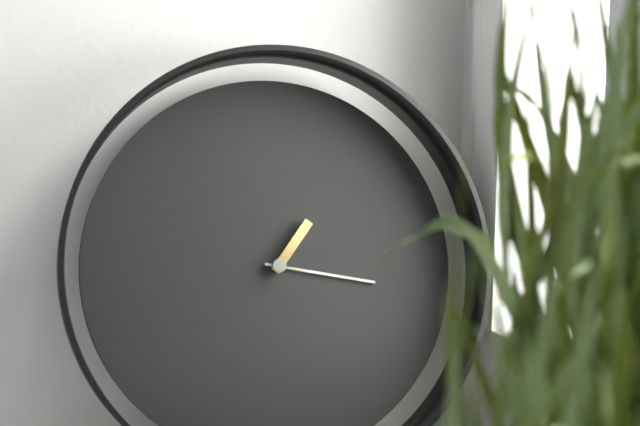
1:17
